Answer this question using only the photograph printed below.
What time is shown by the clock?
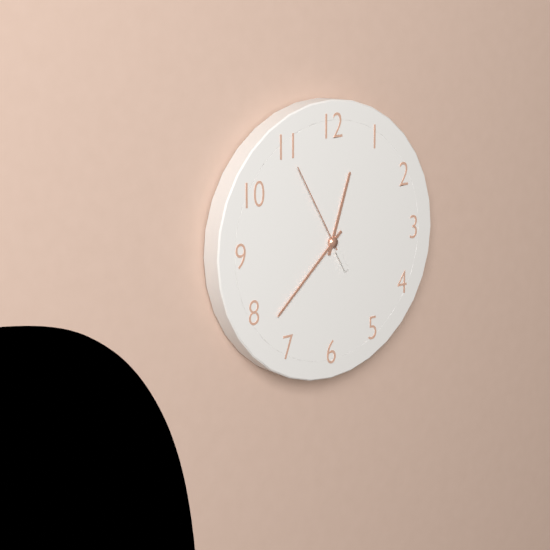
12:38:55
